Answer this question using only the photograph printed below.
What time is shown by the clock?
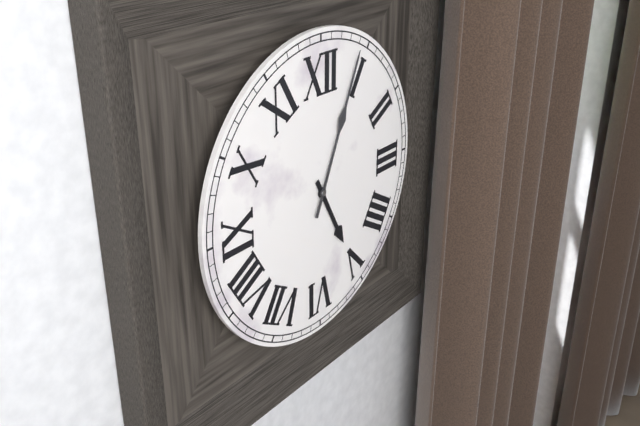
5:04
